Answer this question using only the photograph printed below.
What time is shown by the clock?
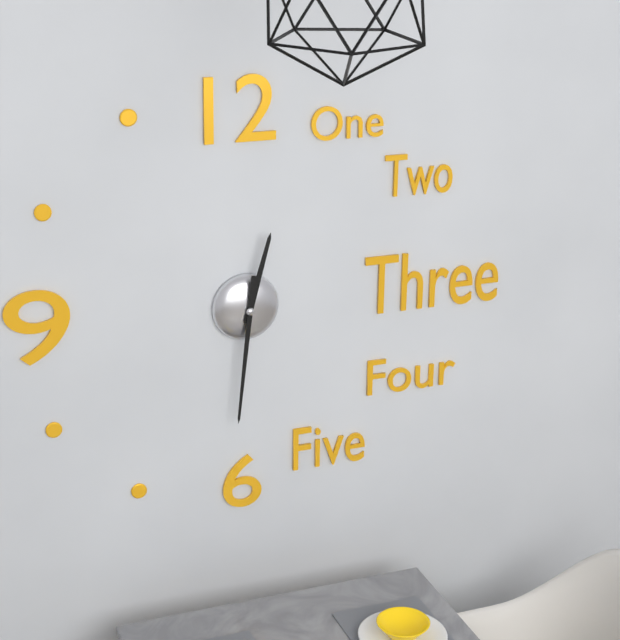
12:31
